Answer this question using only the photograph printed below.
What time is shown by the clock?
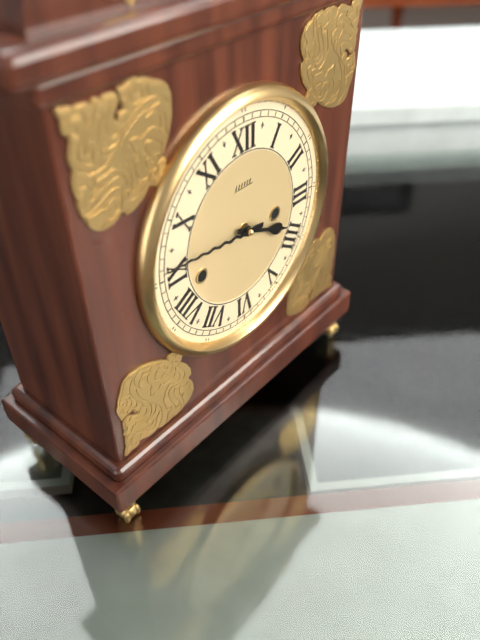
3:46
